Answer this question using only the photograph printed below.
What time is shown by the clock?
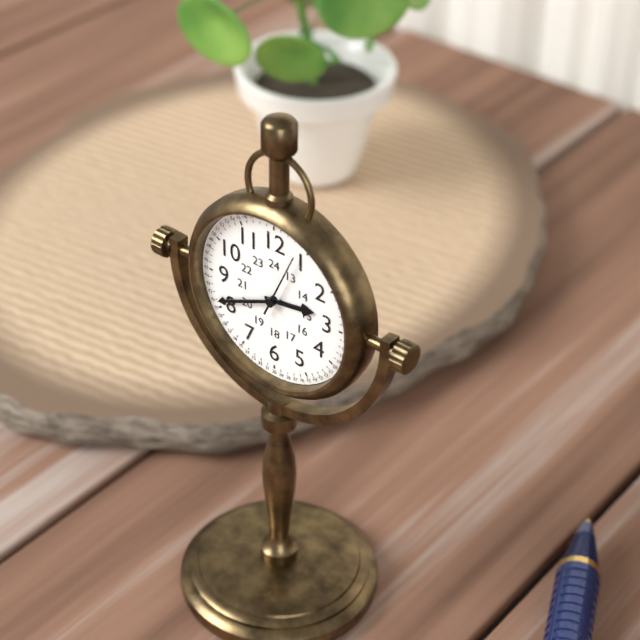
2:41:04
